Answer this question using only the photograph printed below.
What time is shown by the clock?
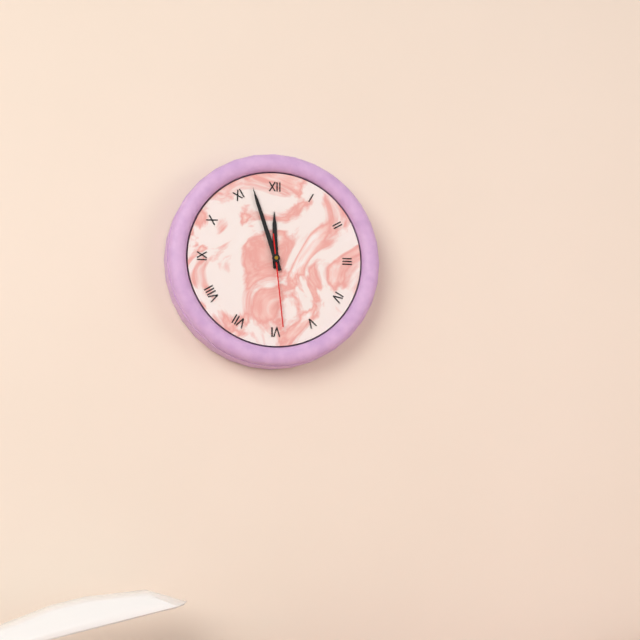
11:57:29
